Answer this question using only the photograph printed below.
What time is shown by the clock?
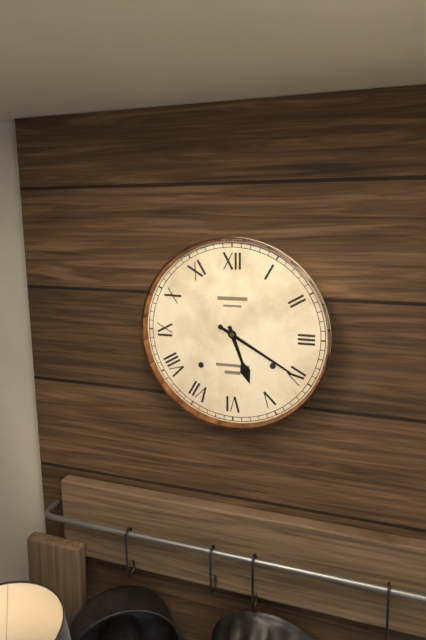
5:20
